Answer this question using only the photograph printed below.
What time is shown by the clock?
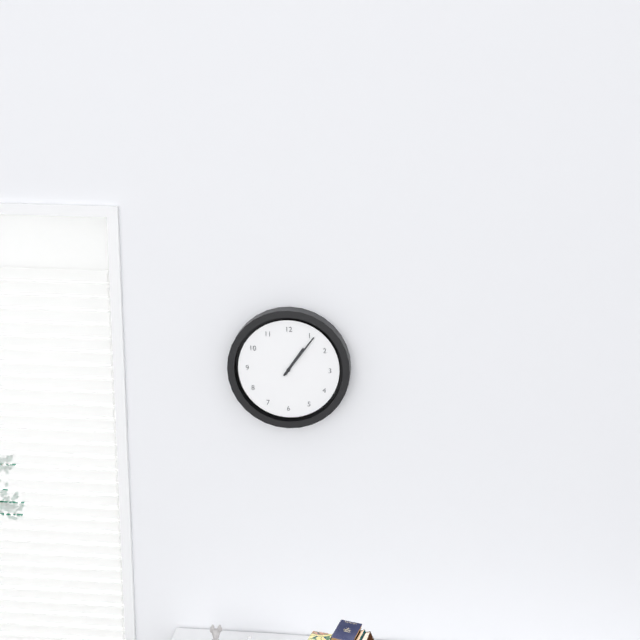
1:06
